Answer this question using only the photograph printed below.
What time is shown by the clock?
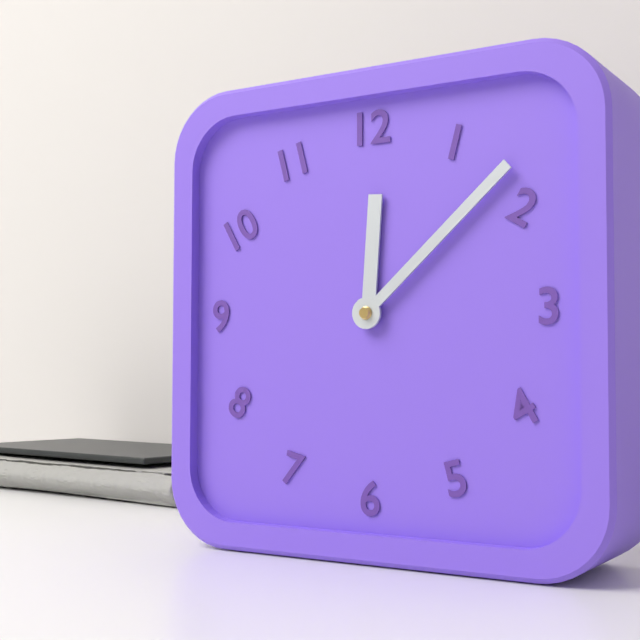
12:08
